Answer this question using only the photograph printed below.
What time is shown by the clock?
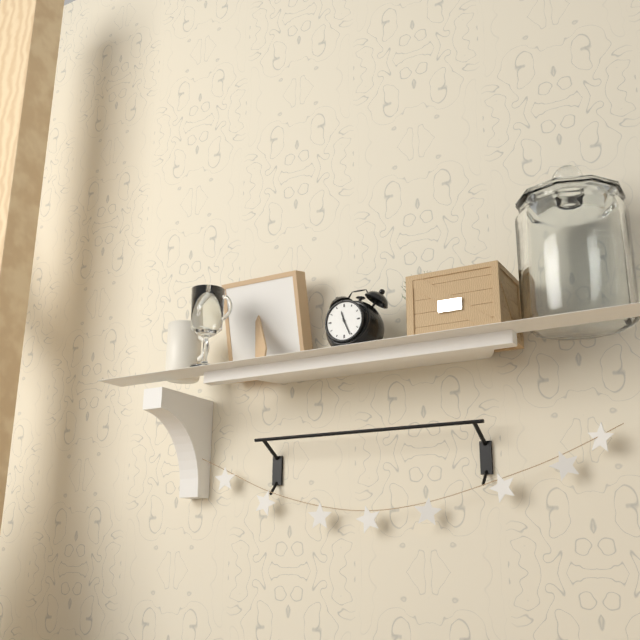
11:26
